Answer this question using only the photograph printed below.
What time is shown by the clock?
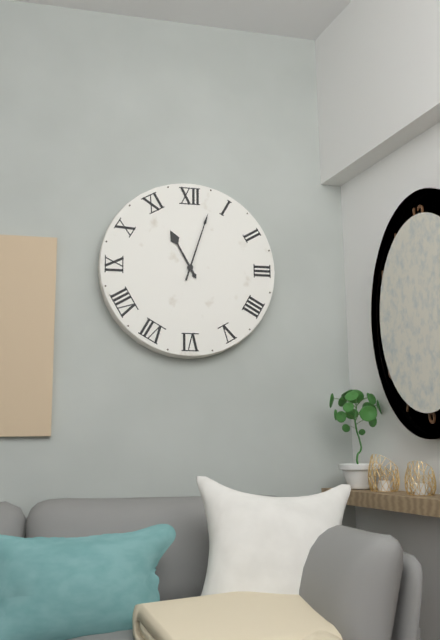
11:03
